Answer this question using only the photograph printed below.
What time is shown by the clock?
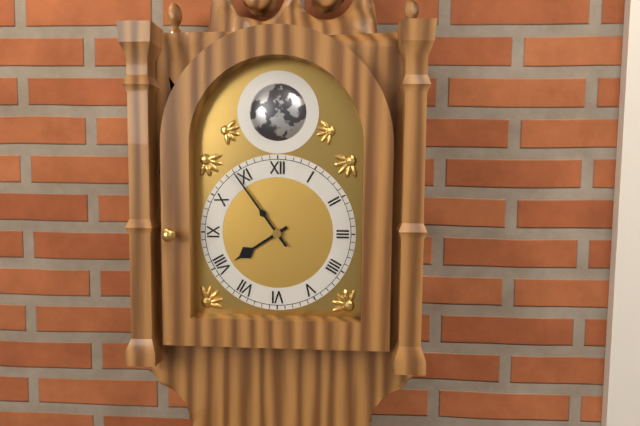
7:54
